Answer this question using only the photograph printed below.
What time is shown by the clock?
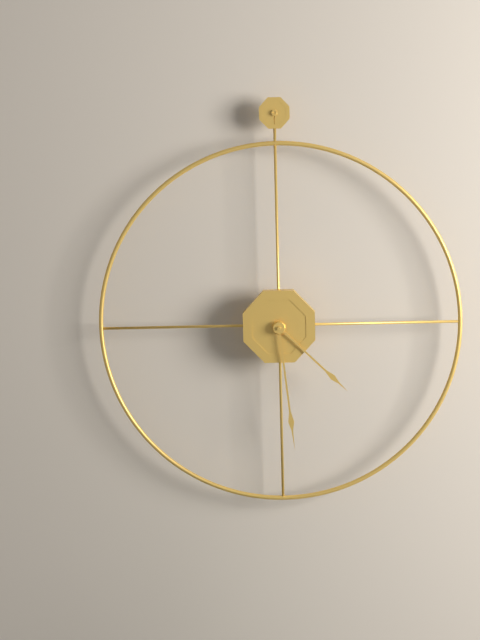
4:29
